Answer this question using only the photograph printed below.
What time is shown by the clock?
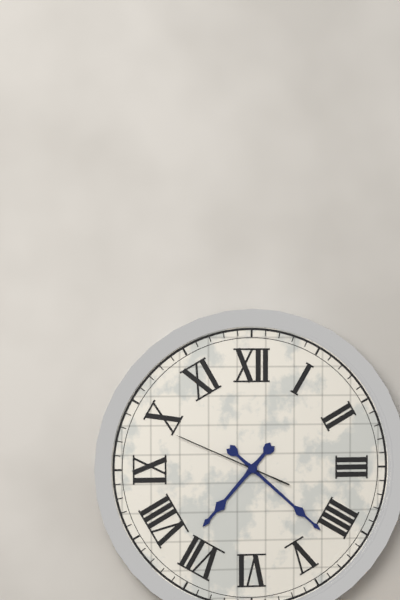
7:22:49
